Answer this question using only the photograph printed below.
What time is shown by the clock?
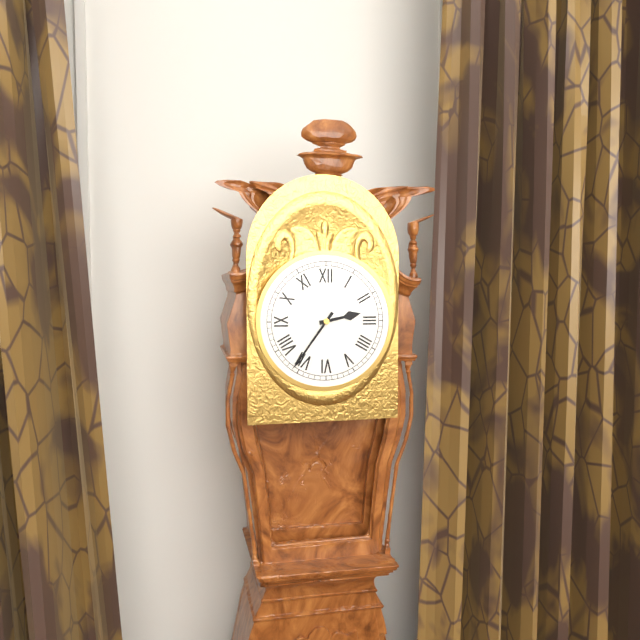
2:36
